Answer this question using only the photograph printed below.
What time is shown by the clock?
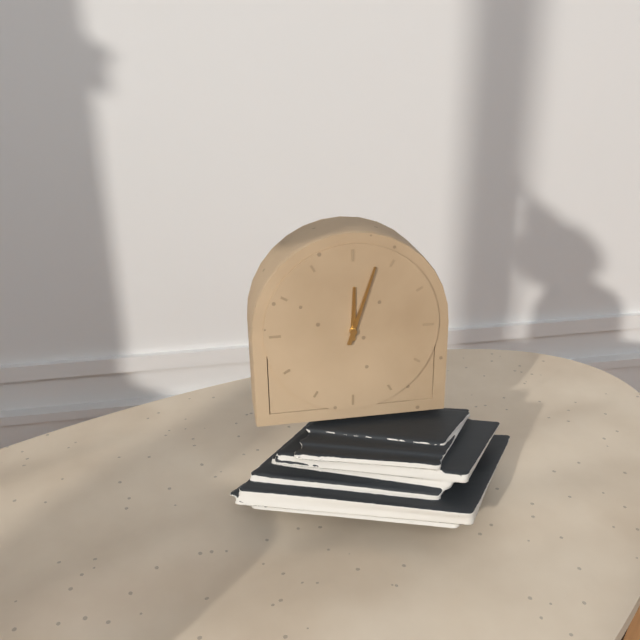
12:03
